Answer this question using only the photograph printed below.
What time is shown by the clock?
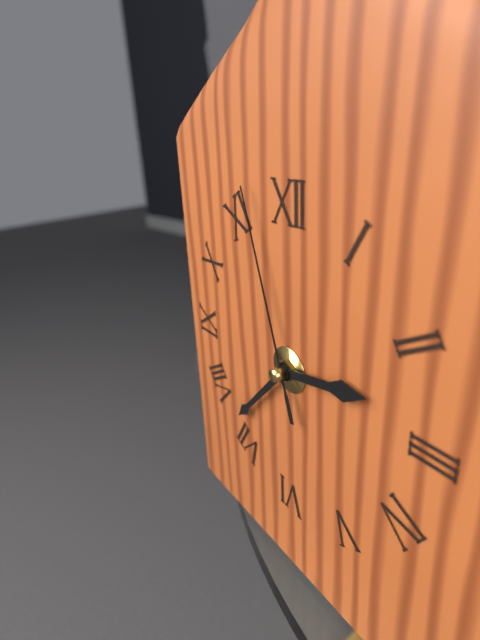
2:37:57
